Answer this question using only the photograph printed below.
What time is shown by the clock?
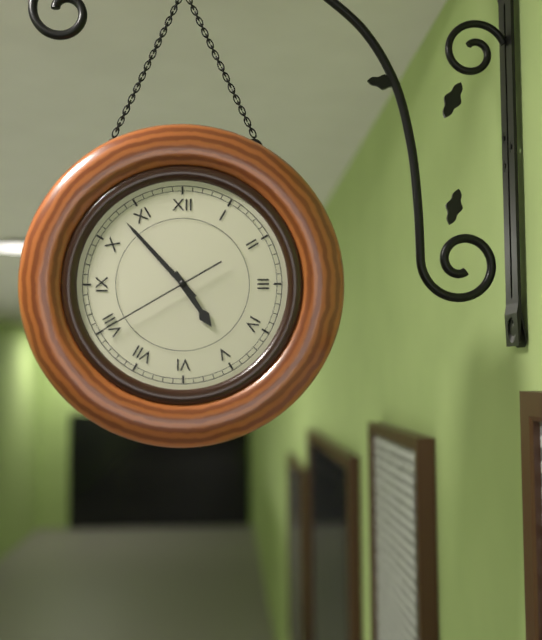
4:53:40
